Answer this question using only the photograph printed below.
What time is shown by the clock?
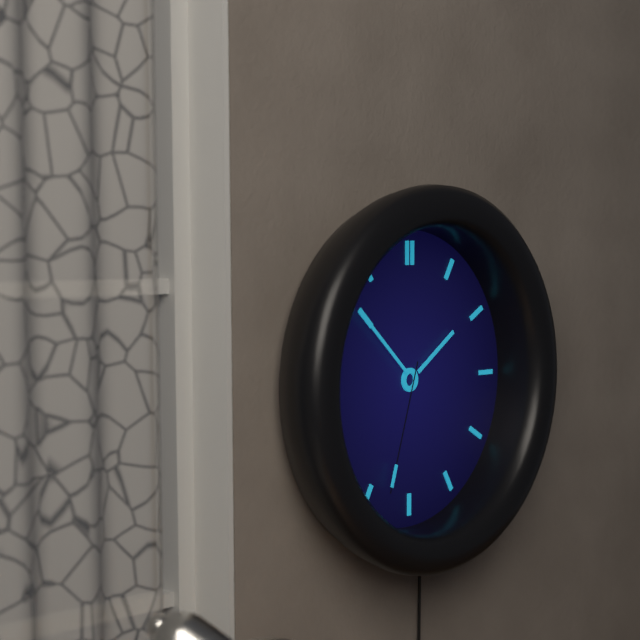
1:52:33
